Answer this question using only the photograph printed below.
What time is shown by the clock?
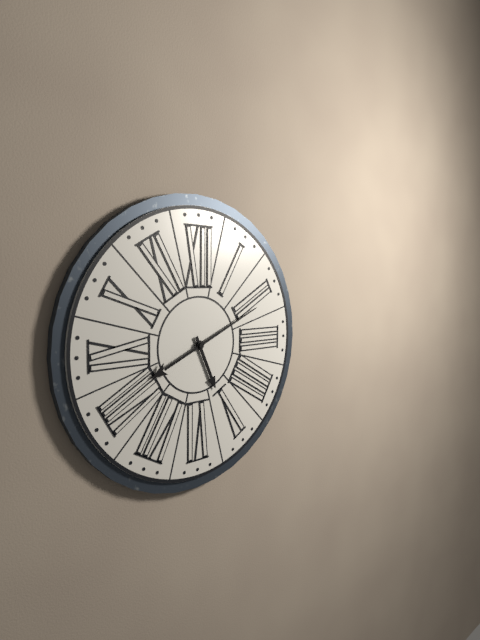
5:11
